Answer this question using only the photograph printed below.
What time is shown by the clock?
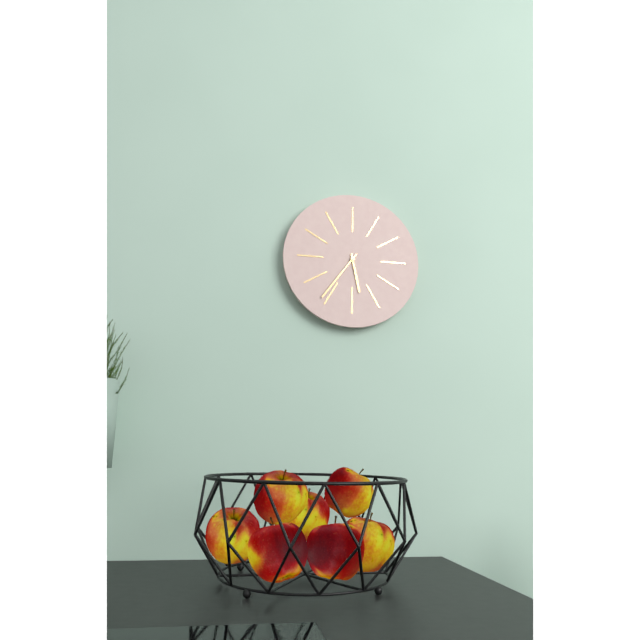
5:36
